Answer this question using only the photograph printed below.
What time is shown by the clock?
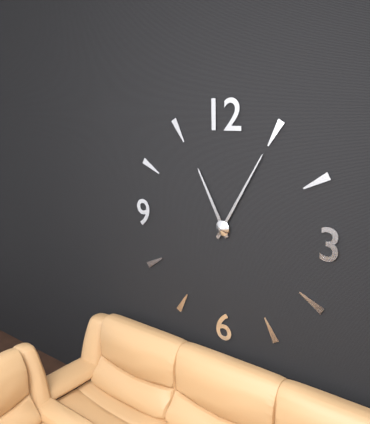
11:05
